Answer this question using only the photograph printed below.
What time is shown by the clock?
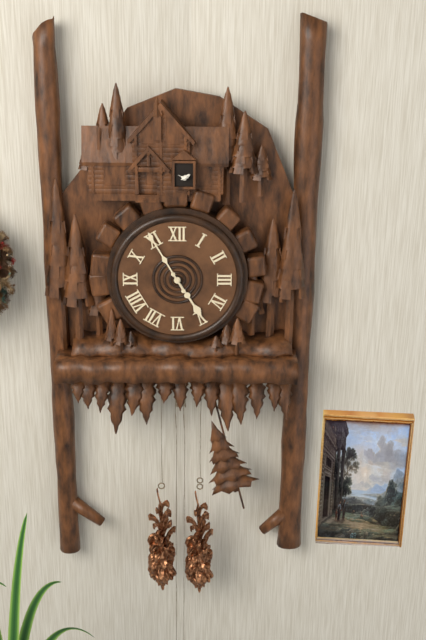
4:55
